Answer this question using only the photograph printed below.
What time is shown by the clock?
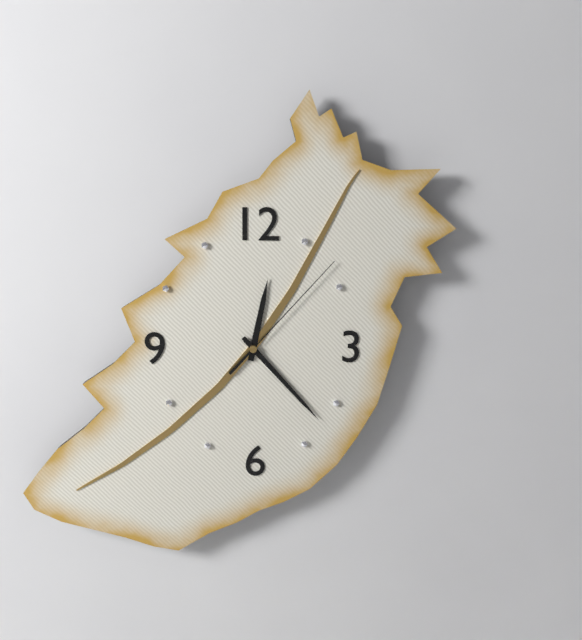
12:23:07
